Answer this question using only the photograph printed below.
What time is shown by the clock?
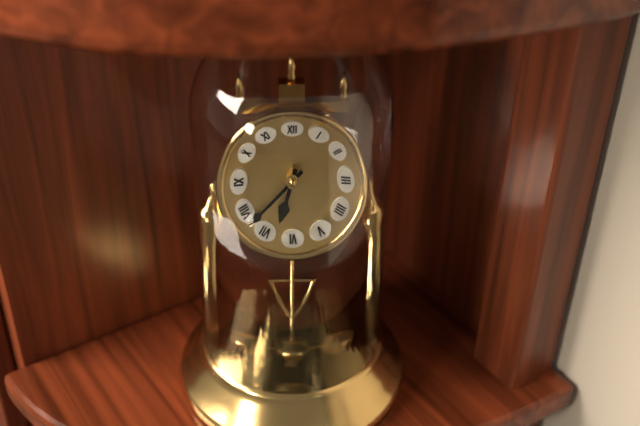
6:38
